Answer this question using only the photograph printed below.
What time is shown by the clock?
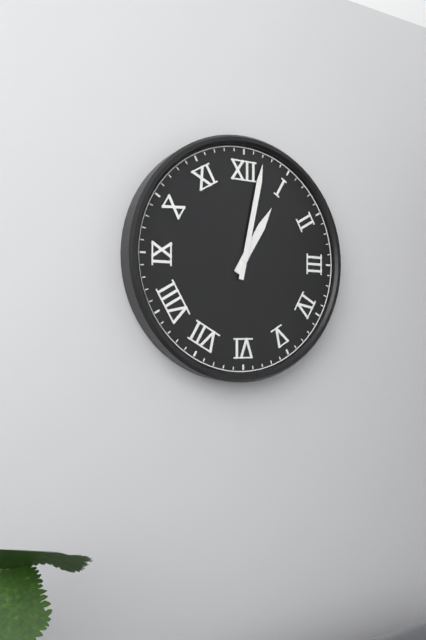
1:02
